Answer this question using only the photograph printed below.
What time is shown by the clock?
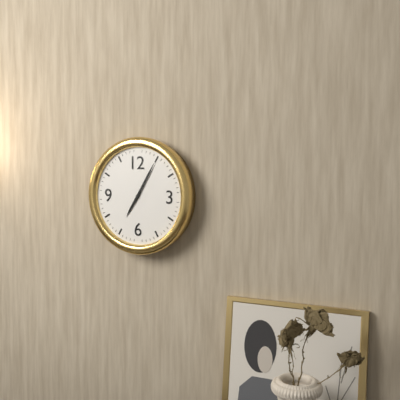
7:05
